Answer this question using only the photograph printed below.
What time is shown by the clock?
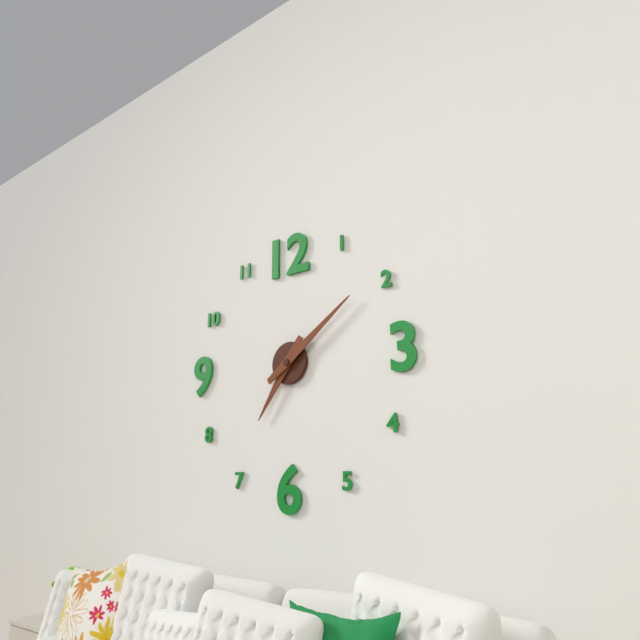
7:09
